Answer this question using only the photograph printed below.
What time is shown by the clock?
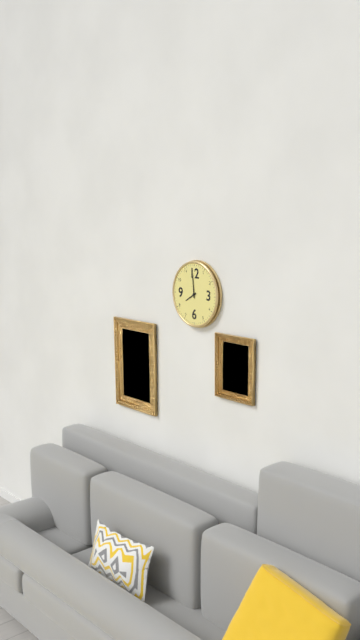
7:59
